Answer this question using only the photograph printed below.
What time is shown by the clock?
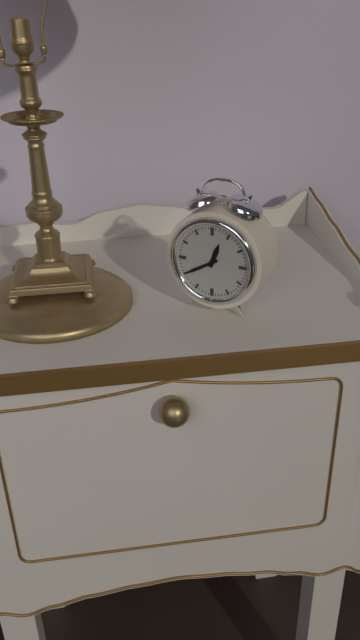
12:40
